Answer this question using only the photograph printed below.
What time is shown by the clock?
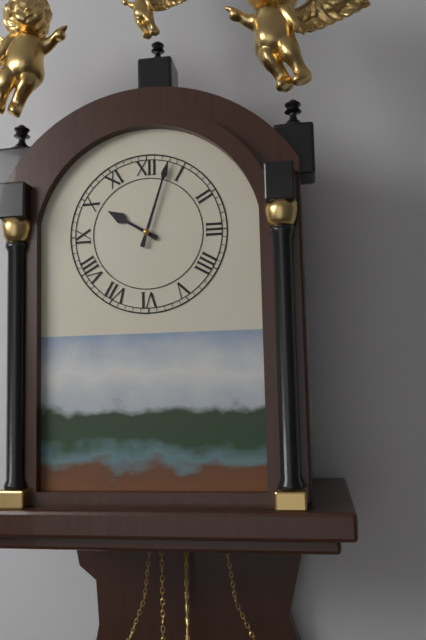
10:03
